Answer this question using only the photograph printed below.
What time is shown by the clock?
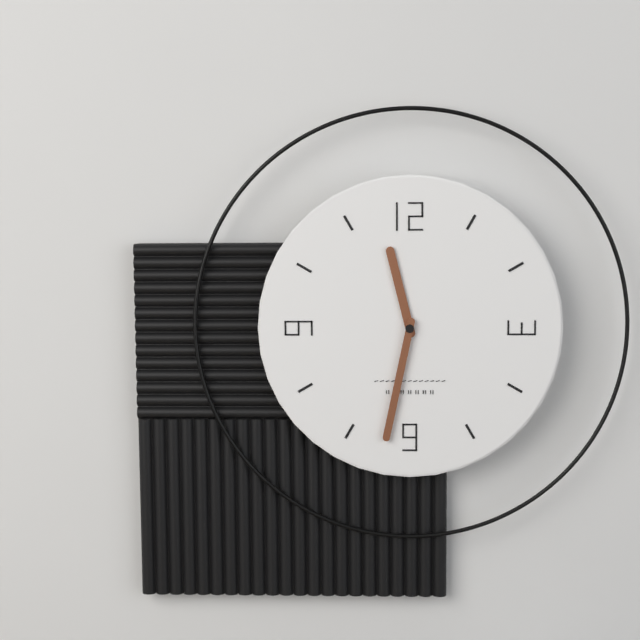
11:32
